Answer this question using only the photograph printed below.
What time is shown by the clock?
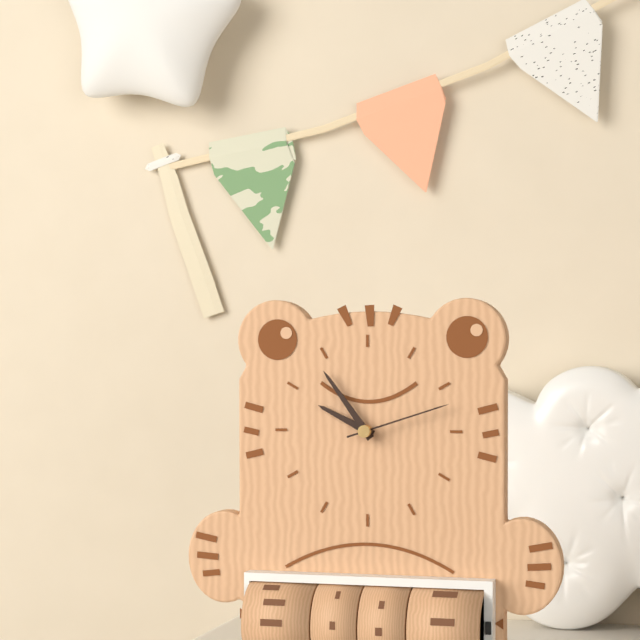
9:54:12
